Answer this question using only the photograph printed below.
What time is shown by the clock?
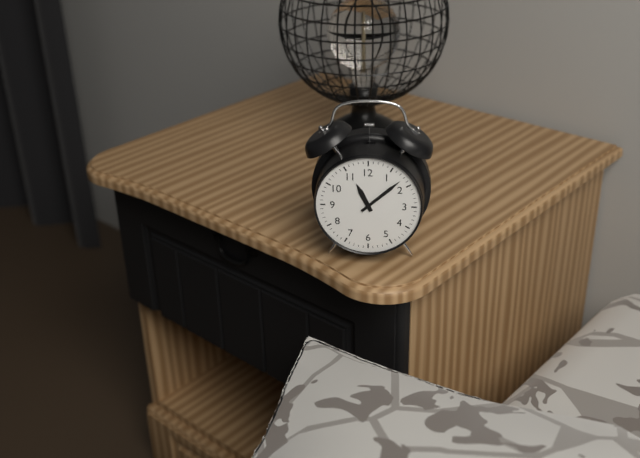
11:08
